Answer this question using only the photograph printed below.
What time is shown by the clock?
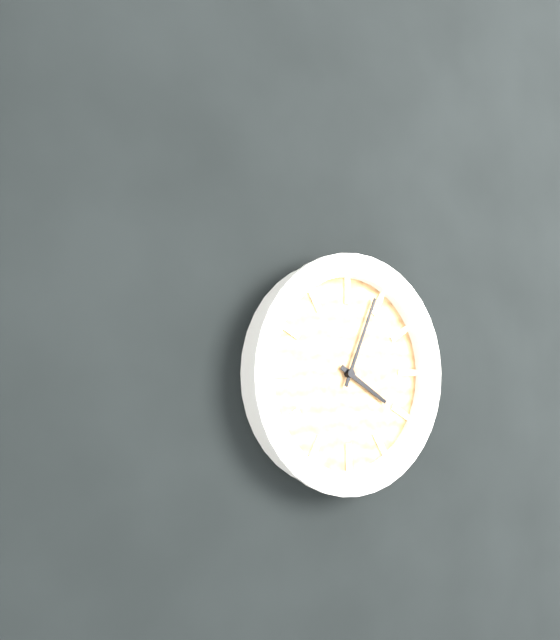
4:04
